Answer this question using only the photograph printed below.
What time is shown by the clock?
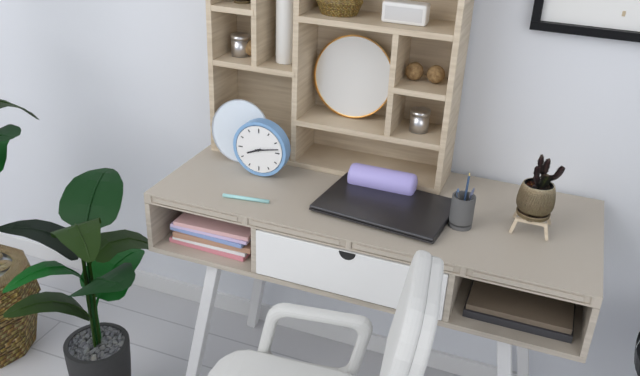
8:13
